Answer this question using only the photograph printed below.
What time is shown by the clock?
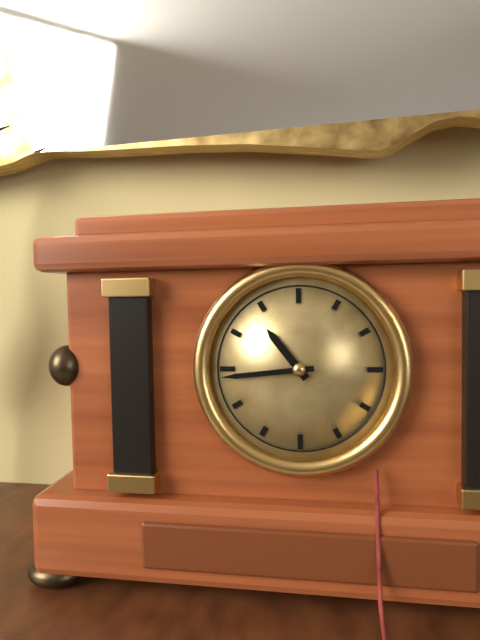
10:44
